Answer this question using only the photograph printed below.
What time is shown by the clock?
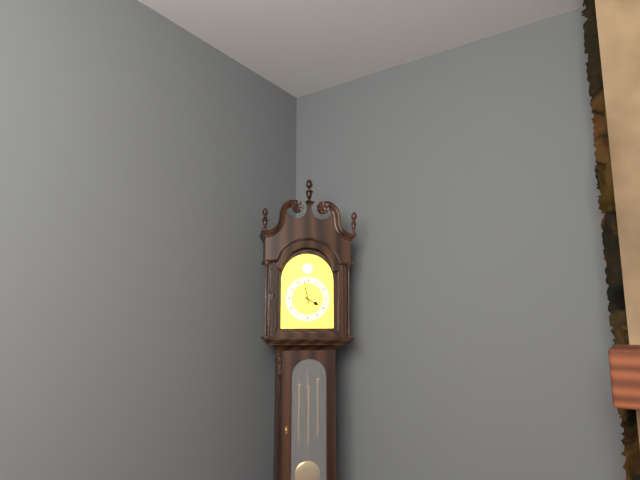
3:58
